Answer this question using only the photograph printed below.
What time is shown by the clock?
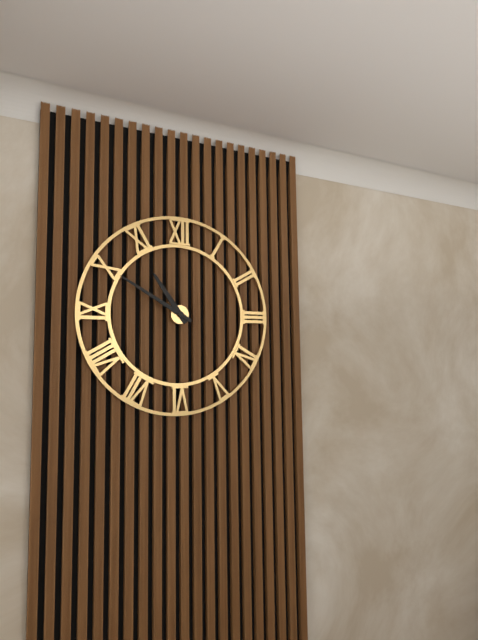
10:50
